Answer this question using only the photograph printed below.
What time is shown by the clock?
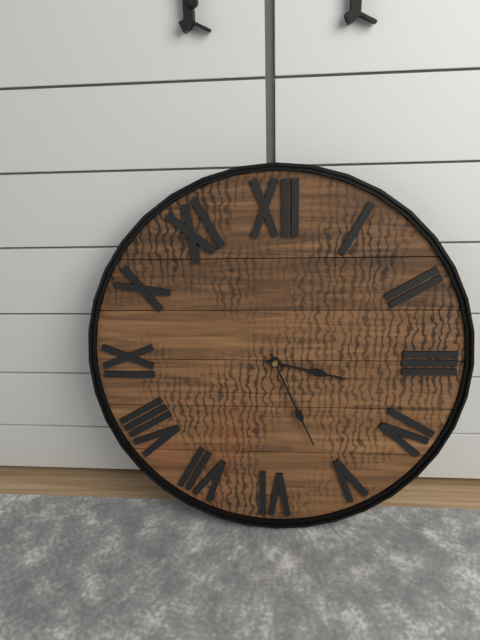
3:26
